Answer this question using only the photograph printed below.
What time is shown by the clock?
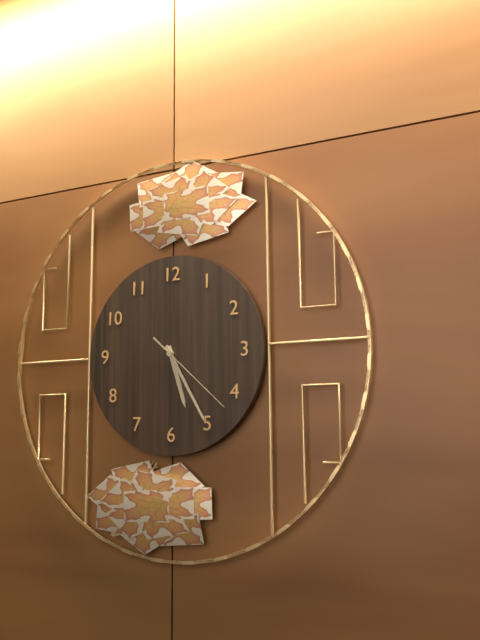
5:25:22
